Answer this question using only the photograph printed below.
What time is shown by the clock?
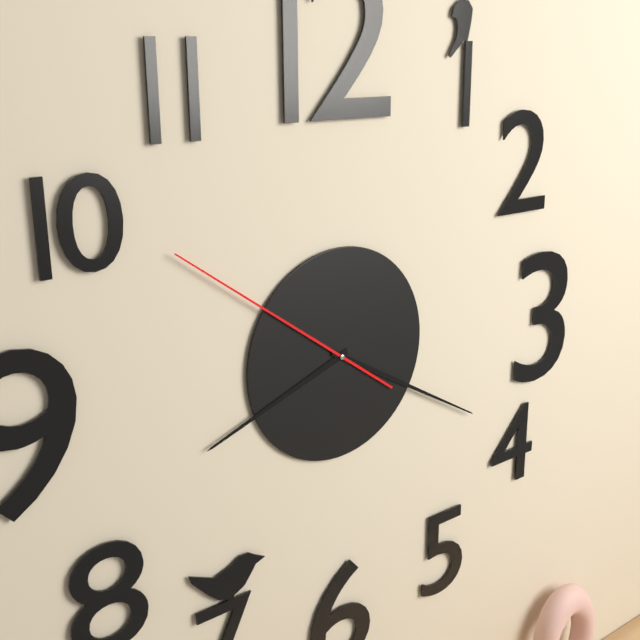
8:20:51
